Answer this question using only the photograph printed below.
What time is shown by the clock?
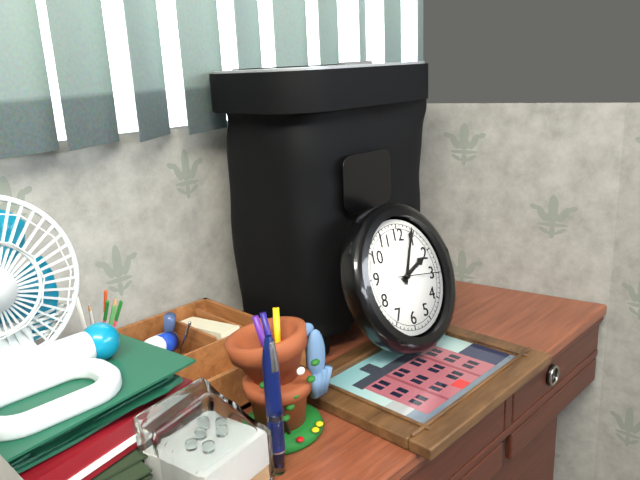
2:04
